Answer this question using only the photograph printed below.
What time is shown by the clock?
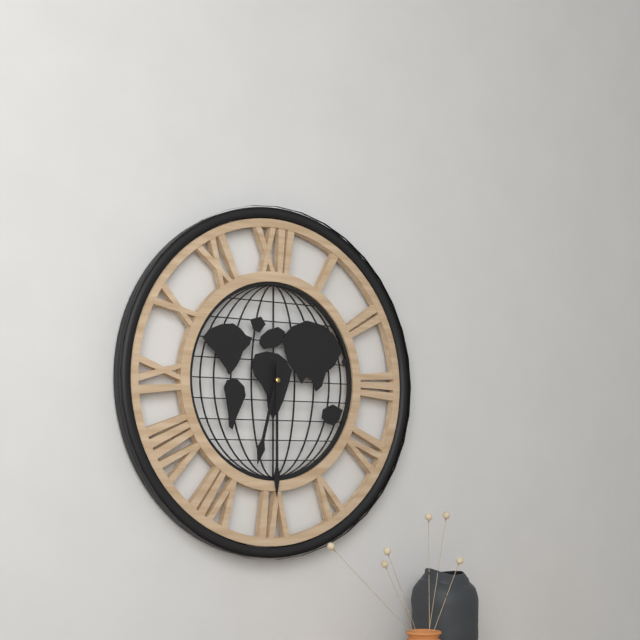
6:30
